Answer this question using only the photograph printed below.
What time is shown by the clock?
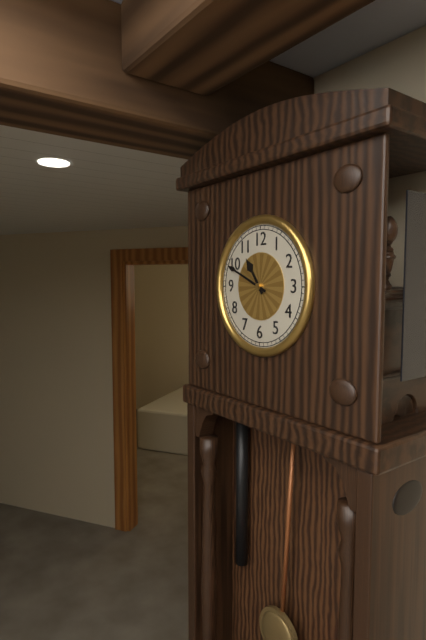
10:49
